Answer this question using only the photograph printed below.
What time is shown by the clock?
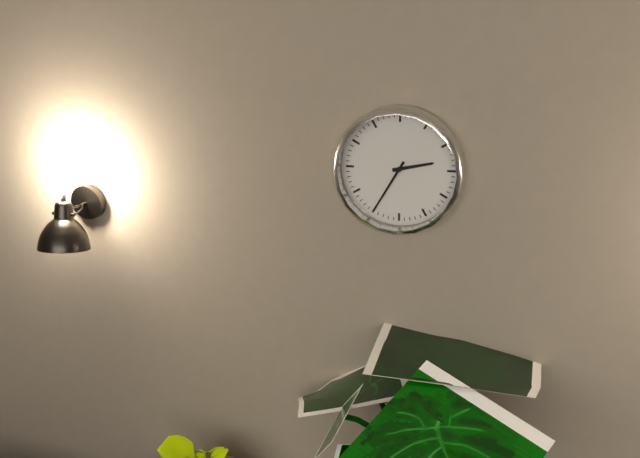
2:35
